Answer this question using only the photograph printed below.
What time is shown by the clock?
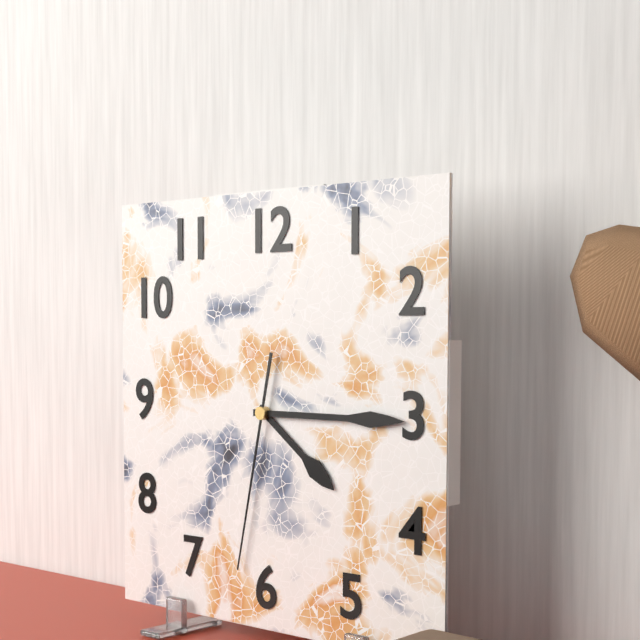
4:15:32
